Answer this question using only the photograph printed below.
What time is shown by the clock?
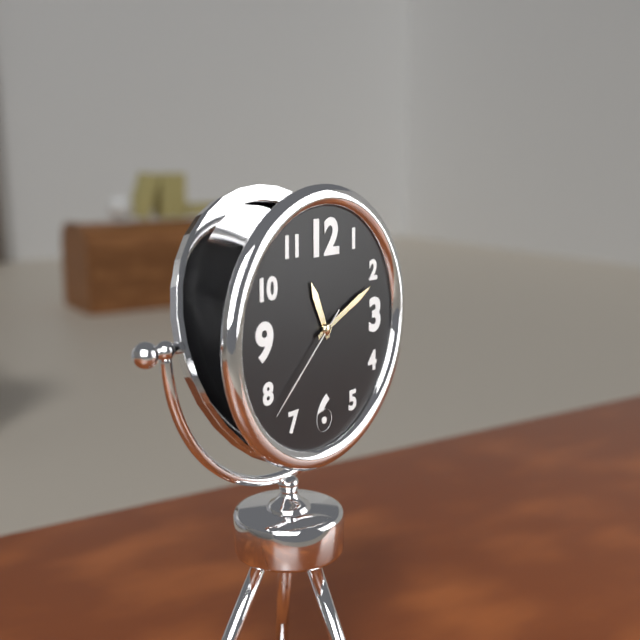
11:11:38
